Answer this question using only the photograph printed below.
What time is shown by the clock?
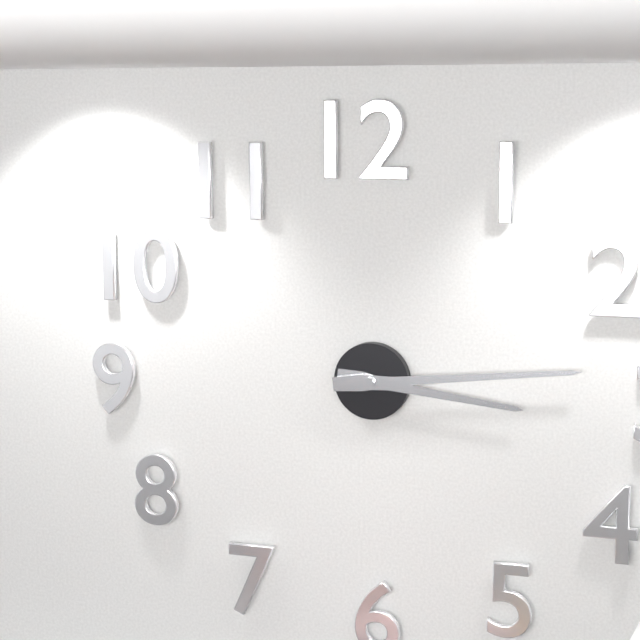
3:14
